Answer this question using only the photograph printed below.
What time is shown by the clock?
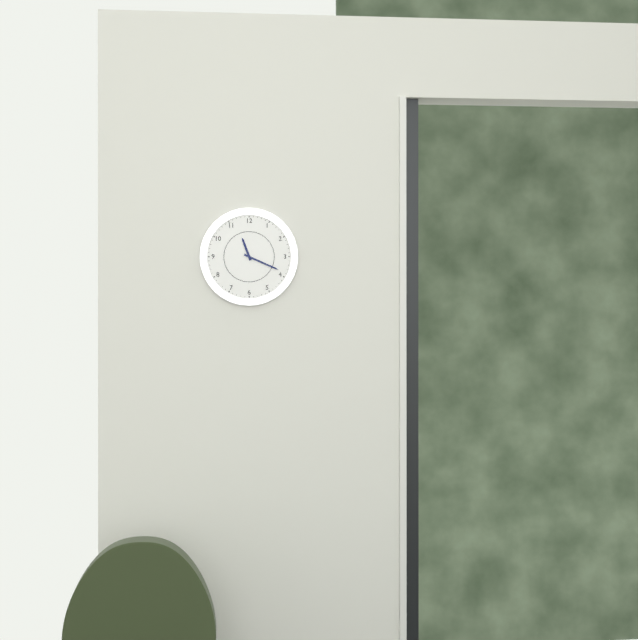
11:19
